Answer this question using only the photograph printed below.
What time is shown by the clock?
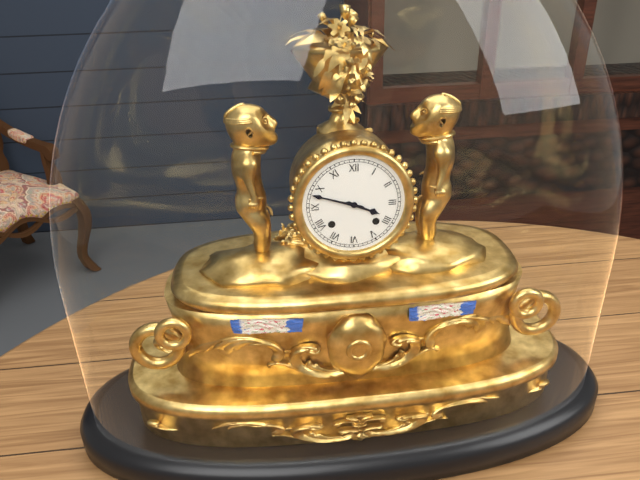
3:48
